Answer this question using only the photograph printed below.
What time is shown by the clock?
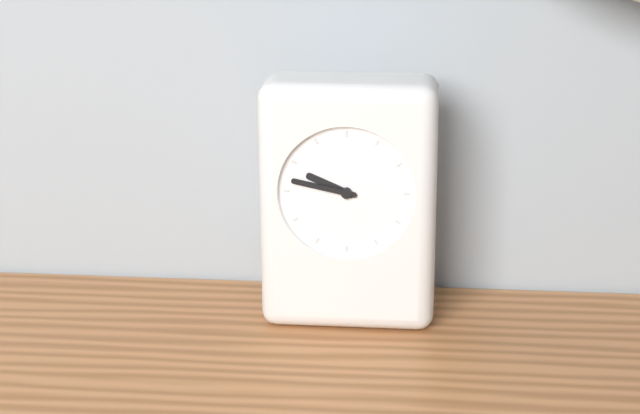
9:47
